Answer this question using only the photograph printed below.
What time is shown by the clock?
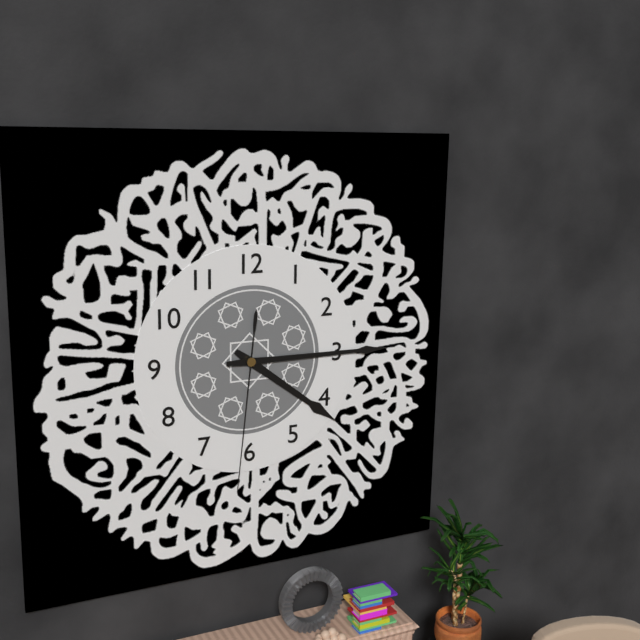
4:15:31
